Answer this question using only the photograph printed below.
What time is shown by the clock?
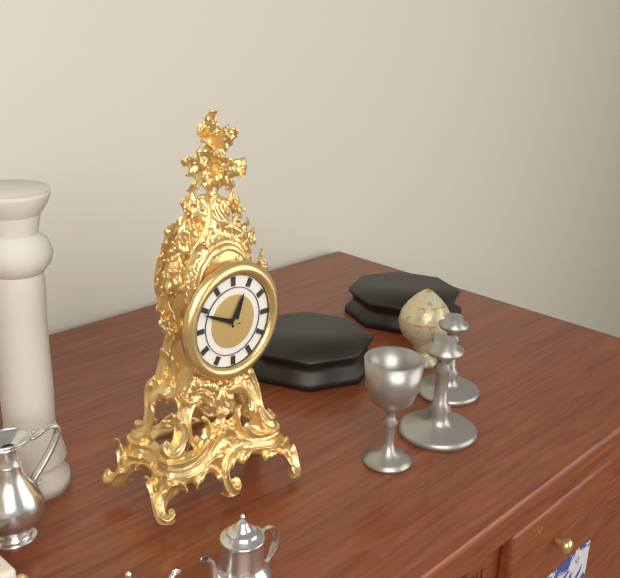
12:49
